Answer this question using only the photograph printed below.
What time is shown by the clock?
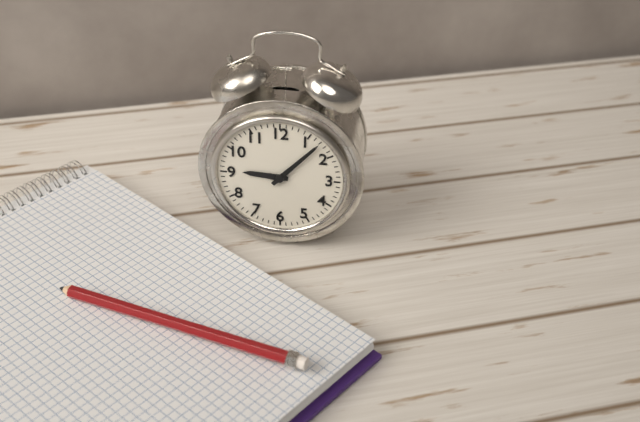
9:07
